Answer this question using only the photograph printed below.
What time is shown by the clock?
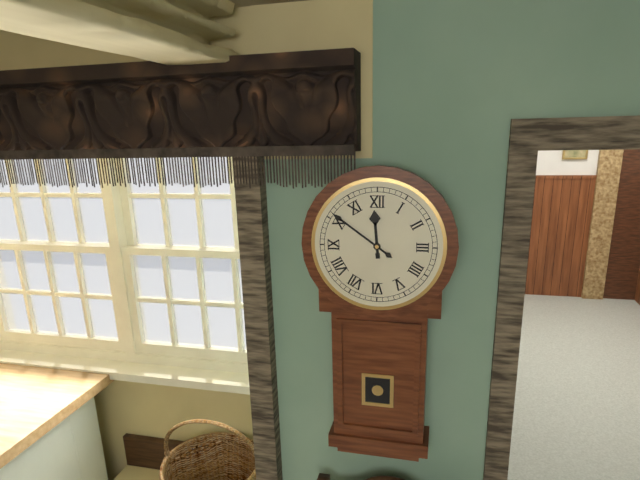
11:51
